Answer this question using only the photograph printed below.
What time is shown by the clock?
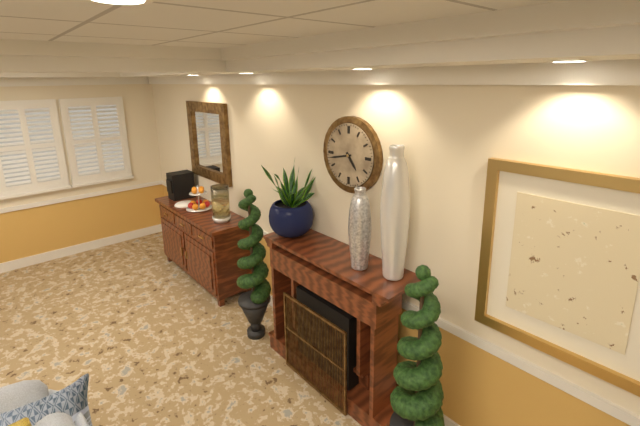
4:43
